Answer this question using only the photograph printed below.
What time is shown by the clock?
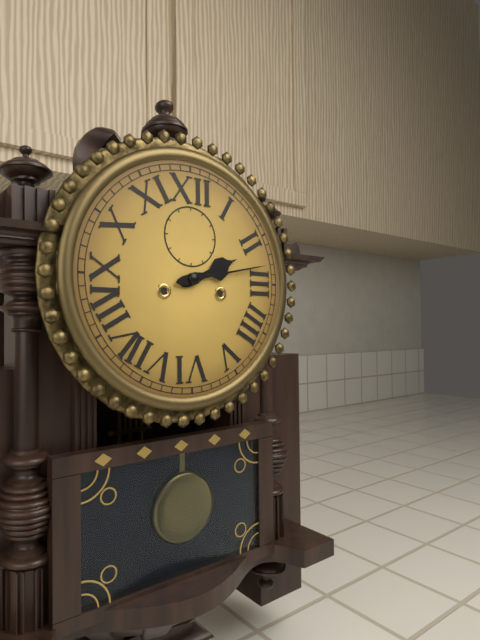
2:13
